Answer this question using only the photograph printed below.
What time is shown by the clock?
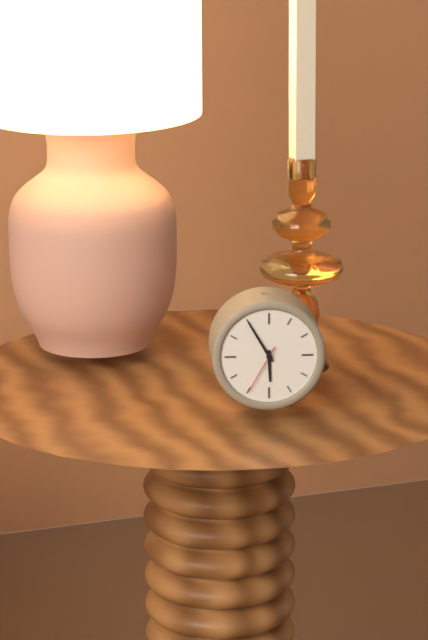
5:55:35
